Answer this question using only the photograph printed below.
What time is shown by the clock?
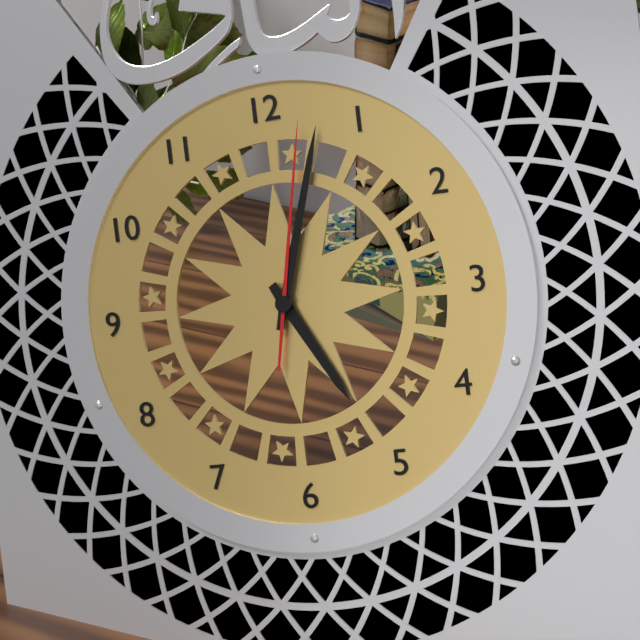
5:03:02
